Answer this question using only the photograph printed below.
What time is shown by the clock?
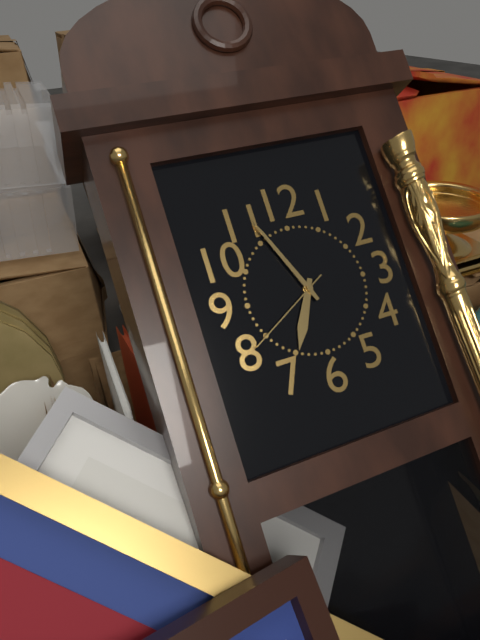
6:56:40
